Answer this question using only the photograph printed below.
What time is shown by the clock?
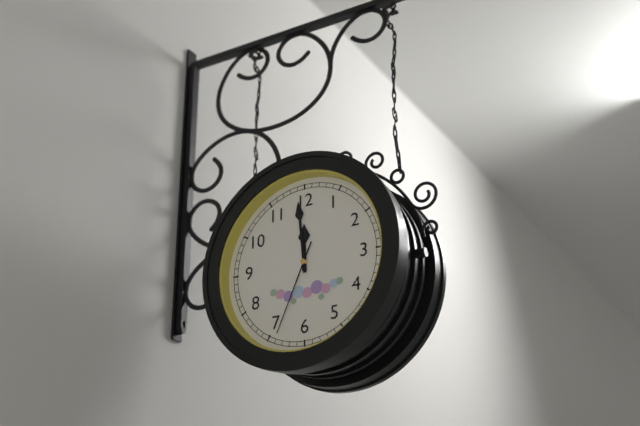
11:59:34
